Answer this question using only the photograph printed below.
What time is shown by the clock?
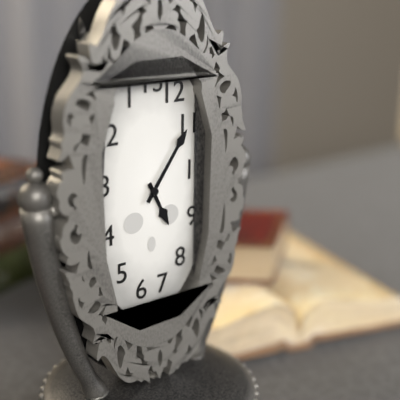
5:06
